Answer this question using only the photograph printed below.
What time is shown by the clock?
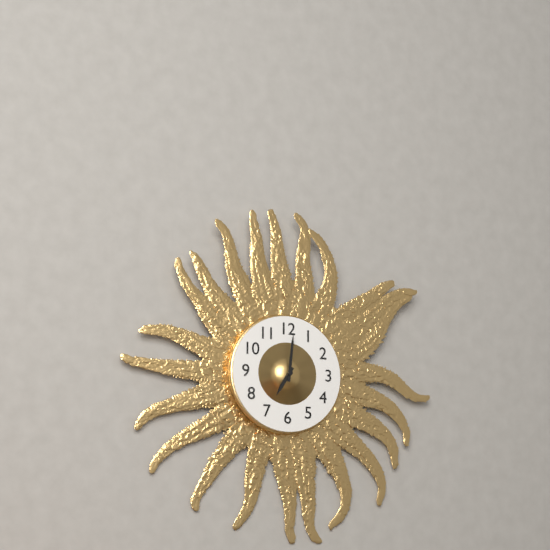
7:01
